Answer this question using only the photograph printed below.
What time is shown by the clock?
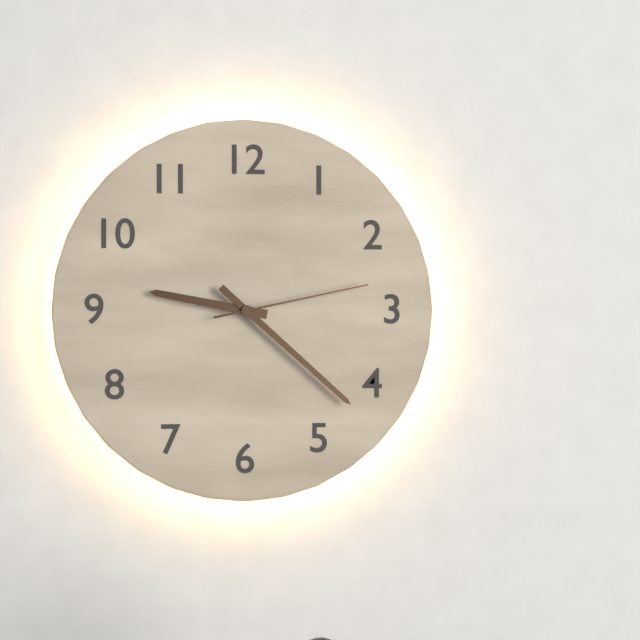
9:22:13
